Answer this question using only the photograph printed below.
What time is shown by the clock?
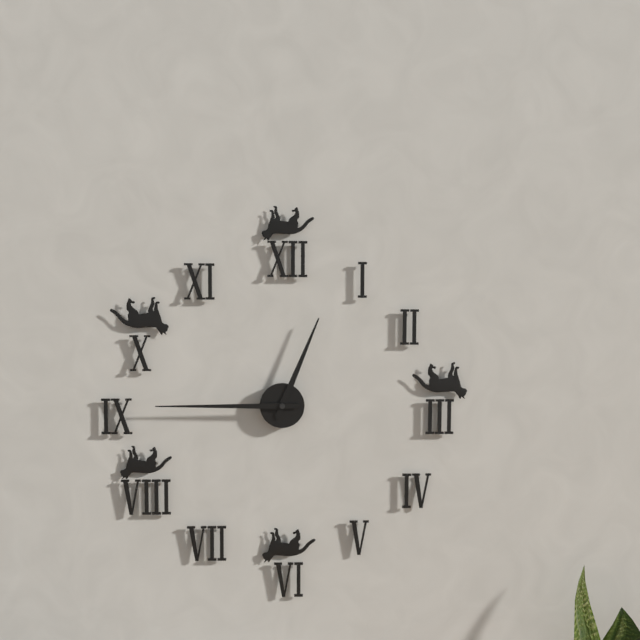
12:45
